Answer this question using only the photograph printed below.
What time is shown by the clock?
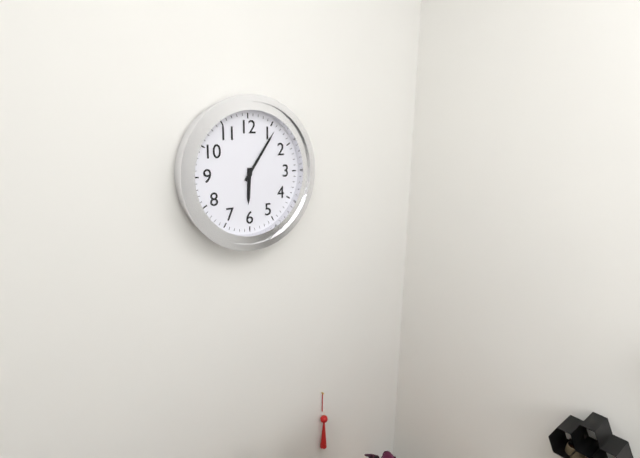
6:06
